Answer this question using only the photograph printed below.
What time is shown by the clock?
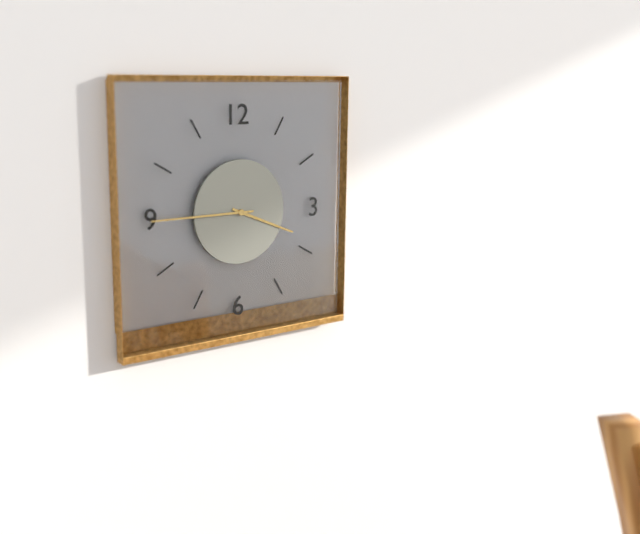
3:45
